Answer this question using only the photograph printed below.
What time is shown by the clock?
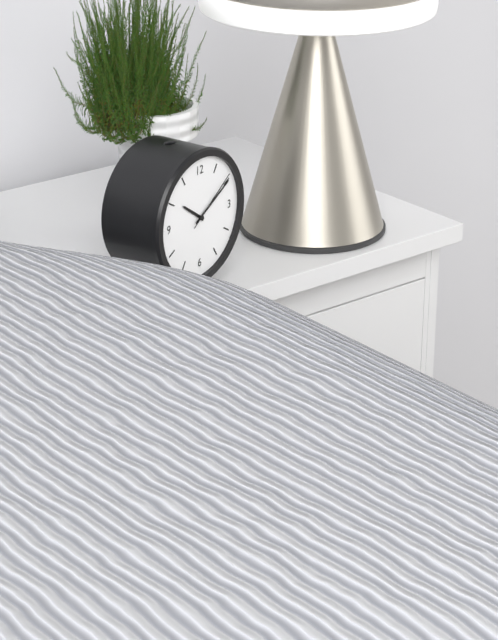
10:10:09
